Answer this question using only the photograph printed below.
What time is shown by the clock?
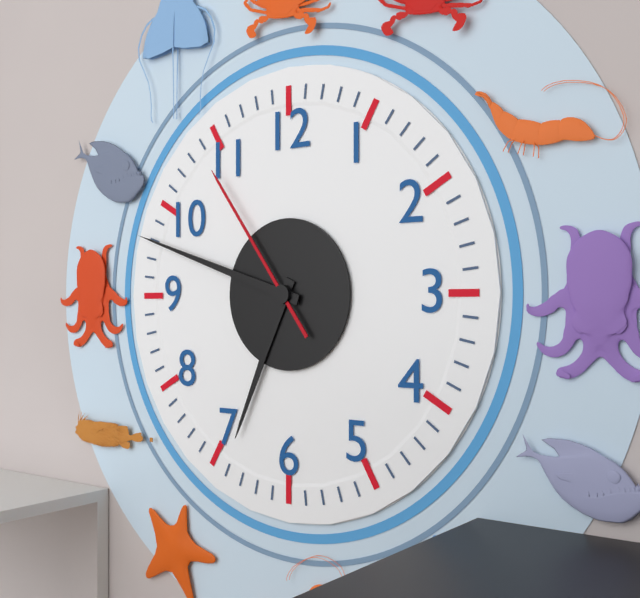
6:48:54
